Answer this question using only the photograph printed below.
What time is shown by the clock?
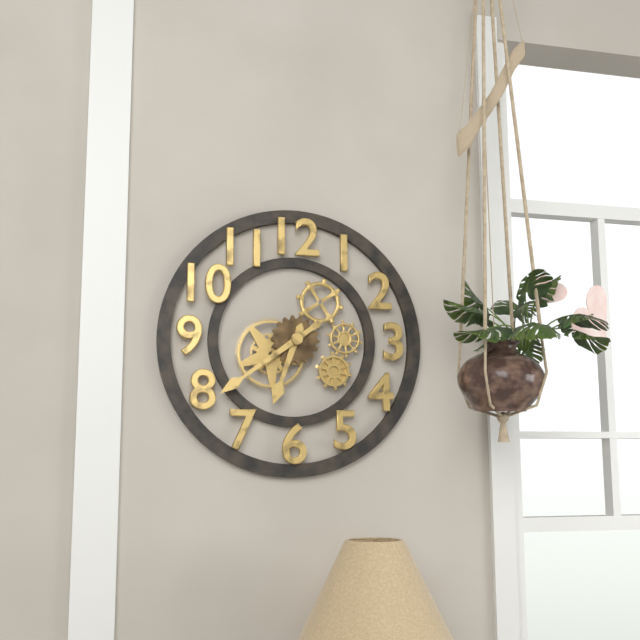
6:39
